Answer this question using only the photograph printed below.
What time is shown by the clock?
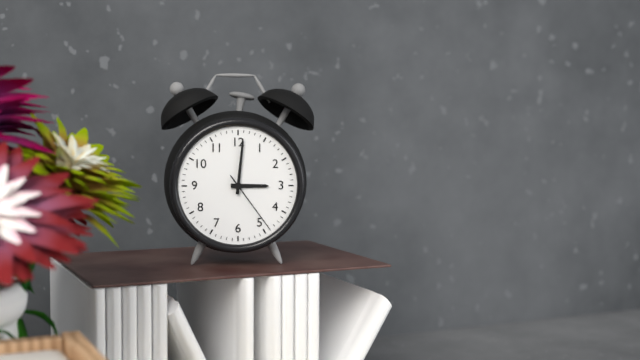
3:01:24
